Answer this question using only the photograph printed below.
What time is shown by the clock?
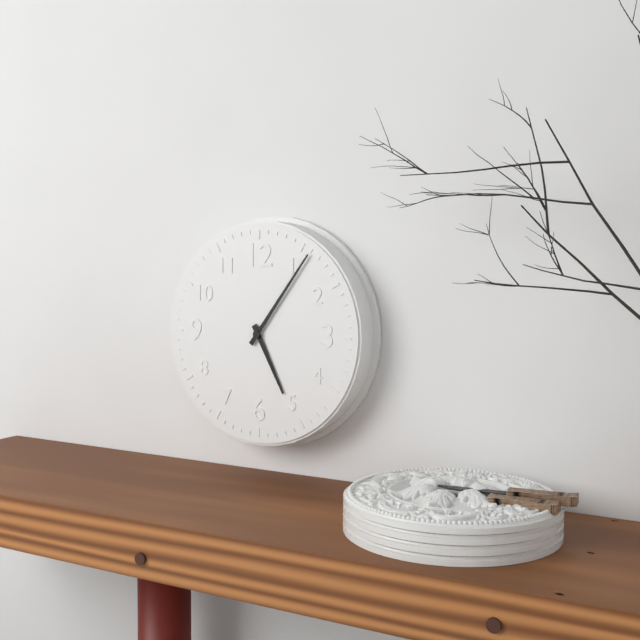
5:06
